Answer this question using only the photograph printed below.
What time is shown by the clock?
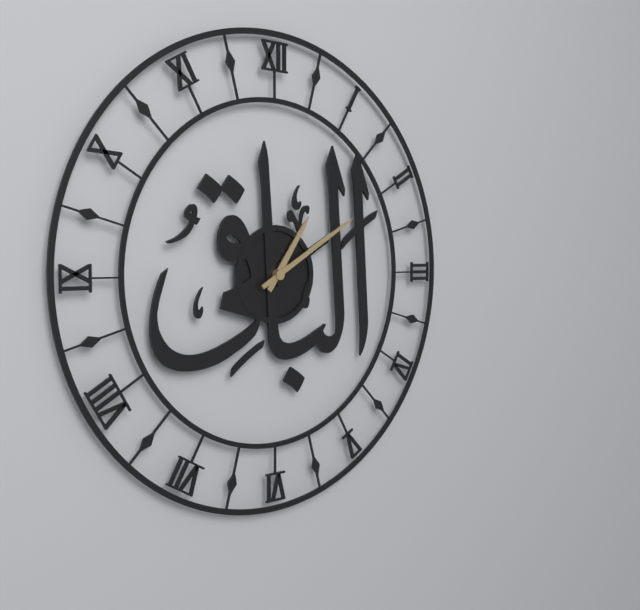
1:10
